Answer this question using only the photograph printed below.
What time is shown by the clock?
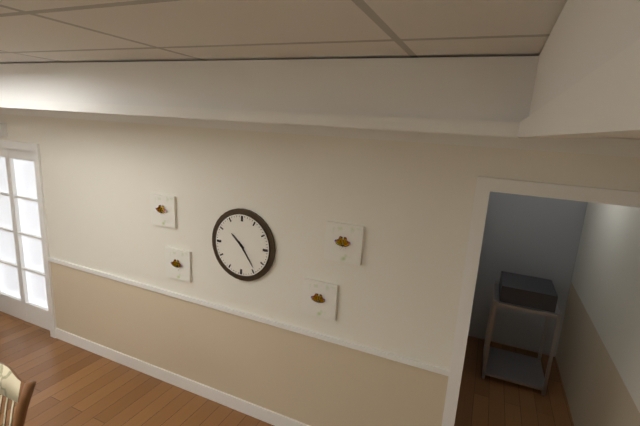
10:24
